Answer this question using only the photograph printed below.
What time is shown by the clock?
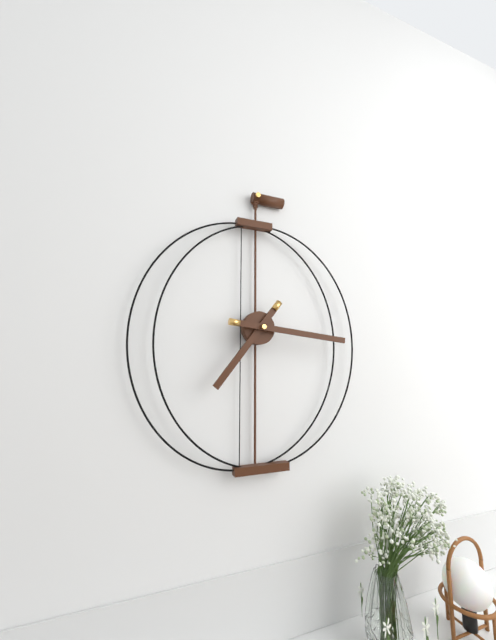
7:16
